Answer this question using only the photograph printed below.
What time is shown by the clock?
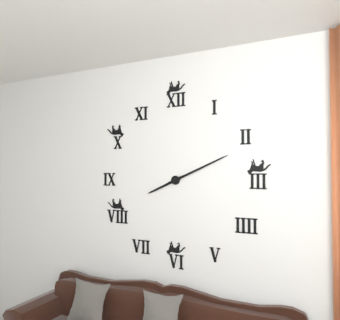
8:11
